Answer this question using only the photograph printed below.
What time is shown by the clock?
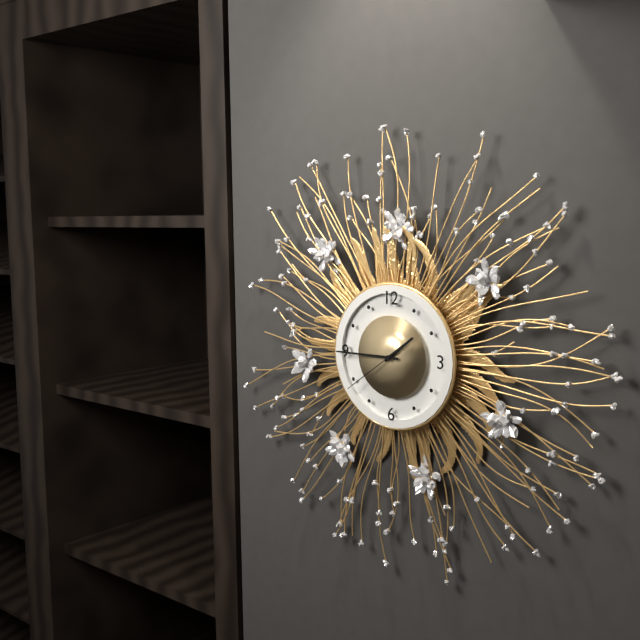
1:45:39
